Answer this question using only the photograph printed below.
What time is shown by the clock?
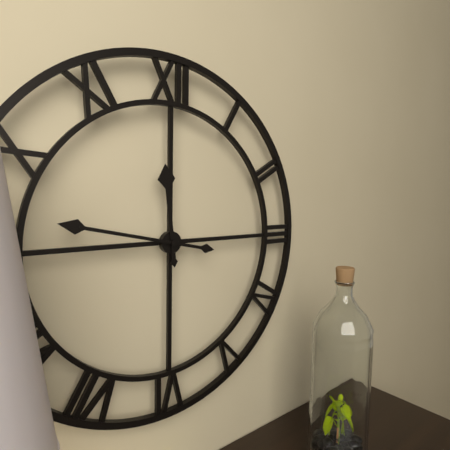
11:47
